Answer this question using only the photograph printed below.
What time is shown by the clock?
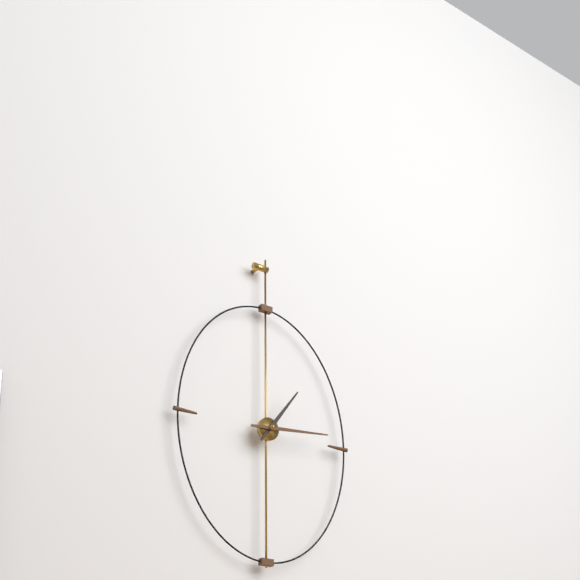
1:14
